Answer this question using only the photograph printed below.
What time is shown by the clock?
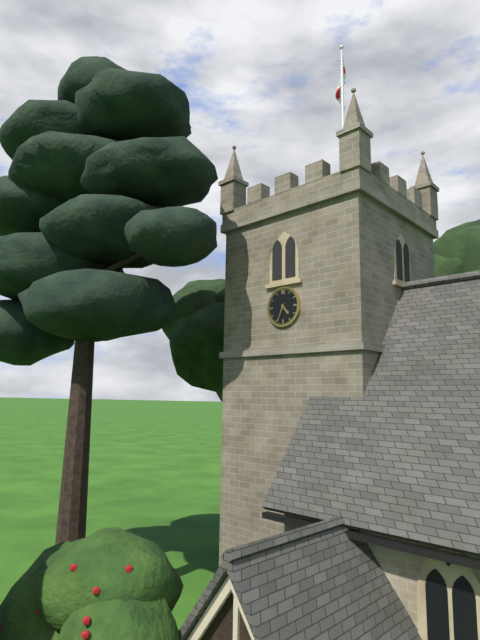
4:34
